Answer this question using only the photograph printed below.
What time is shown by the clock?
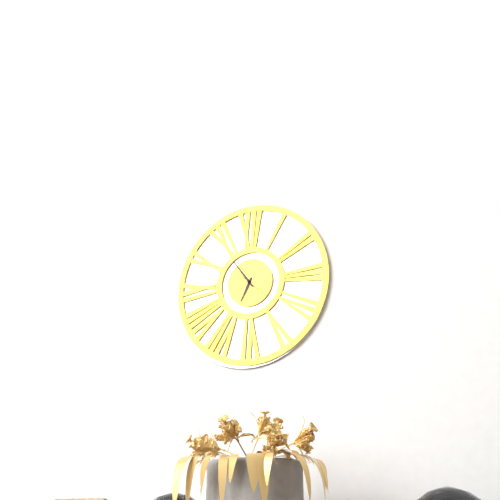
6:54
